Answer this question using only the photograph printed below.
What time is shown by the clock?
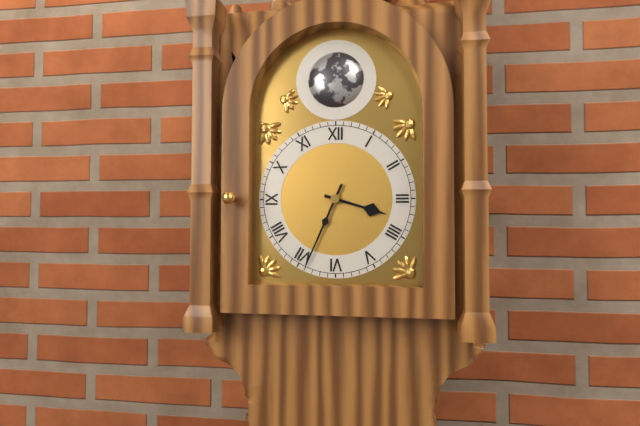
3:34
